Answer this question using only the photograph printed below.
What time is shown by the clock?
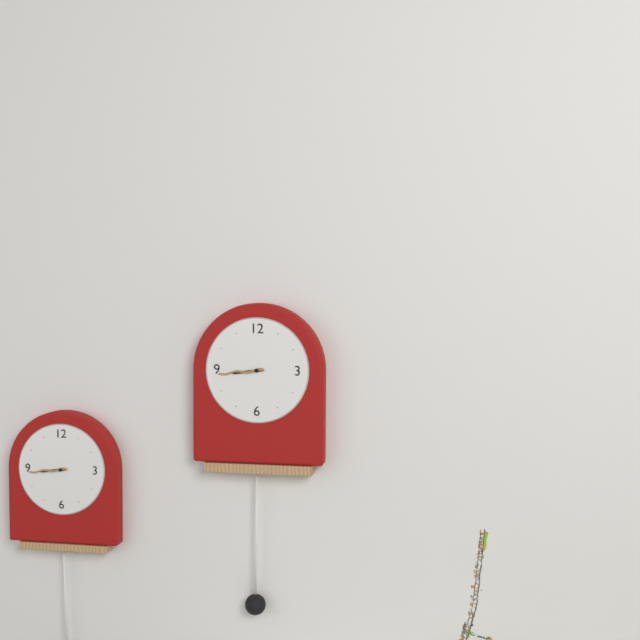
8:44
